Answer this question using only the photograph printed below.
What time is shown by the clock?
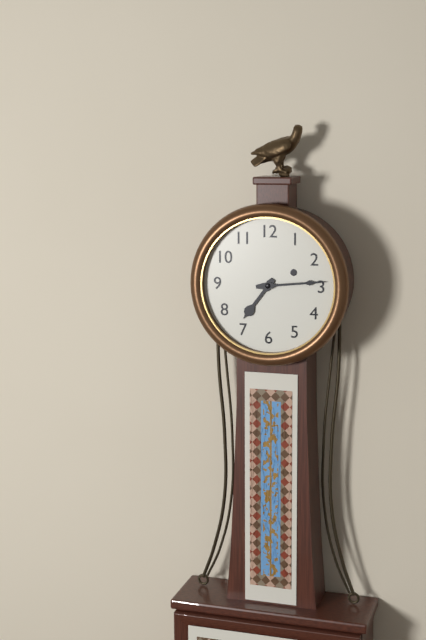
7:14
